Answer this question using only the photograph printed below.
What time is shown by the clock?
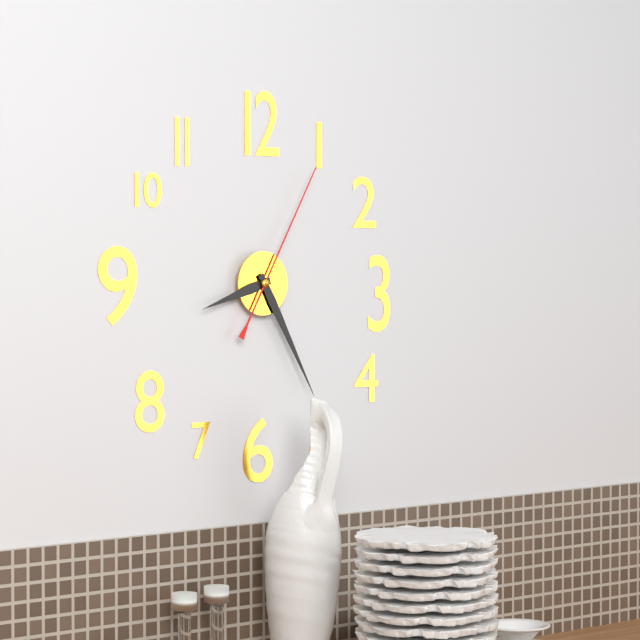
8:25:05
